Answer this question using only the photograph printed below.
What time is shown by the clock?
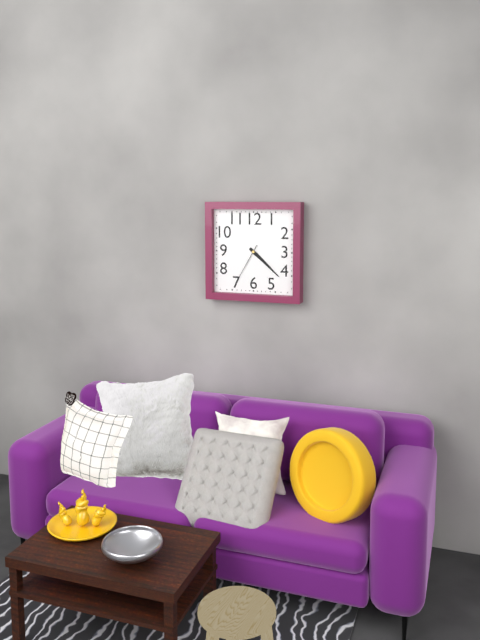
4:22
